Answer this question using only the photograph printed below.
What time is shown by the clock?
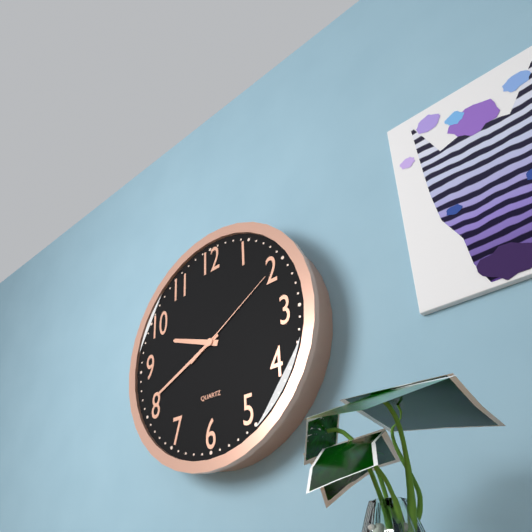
9:41:10
